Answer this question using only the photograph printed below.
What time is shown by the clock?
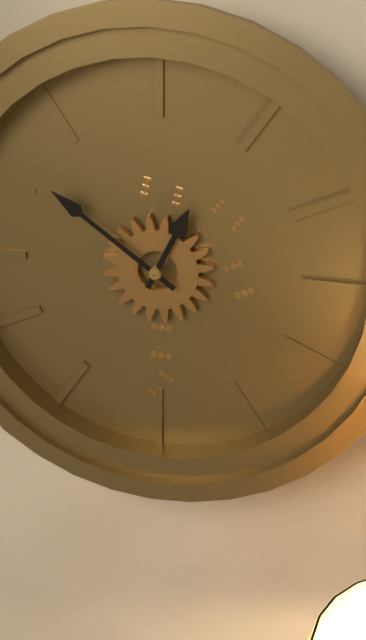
12:51
